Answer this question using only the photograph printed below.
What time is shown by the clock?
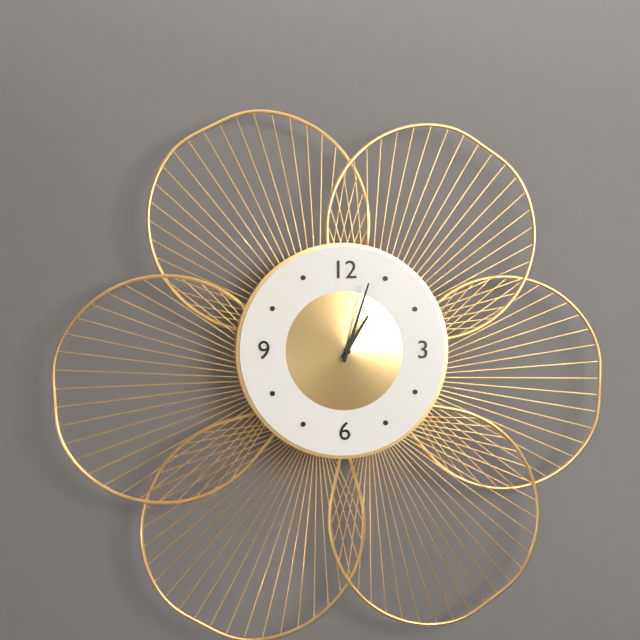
1:03
